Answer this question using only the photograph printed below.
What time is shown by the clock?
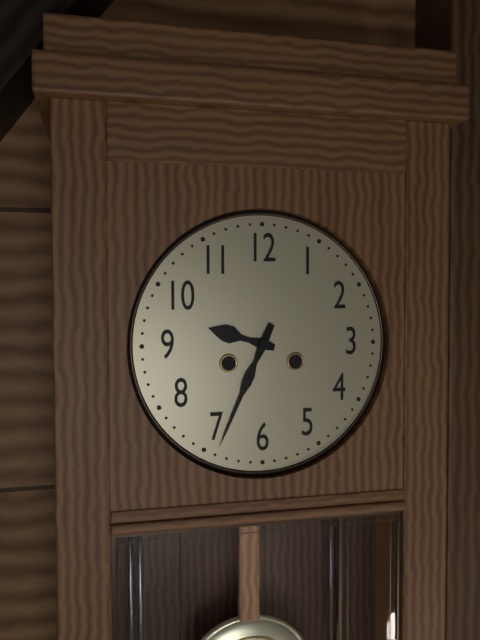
9:34
